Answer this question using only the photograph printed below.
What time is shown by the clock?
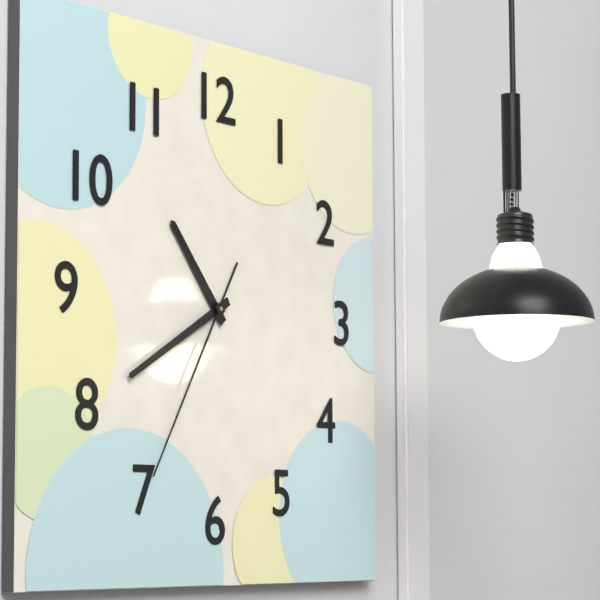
10:40:35
